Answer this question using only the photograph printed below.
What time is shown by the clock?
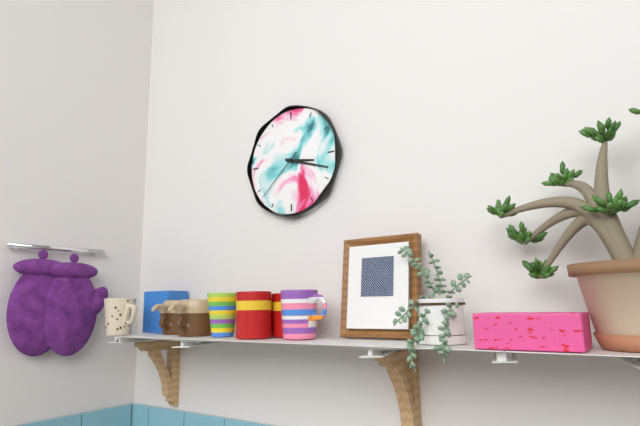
3:18:38
